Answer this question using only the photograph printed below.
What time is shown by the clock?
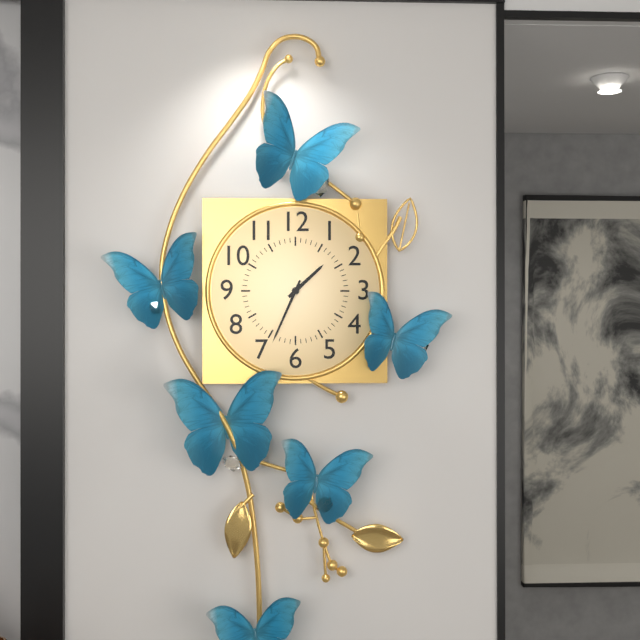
1:34
